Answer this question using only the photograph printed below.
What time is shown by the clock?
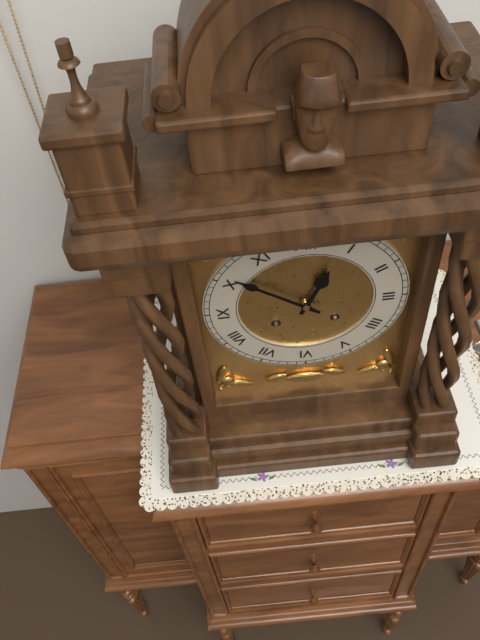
12:51
